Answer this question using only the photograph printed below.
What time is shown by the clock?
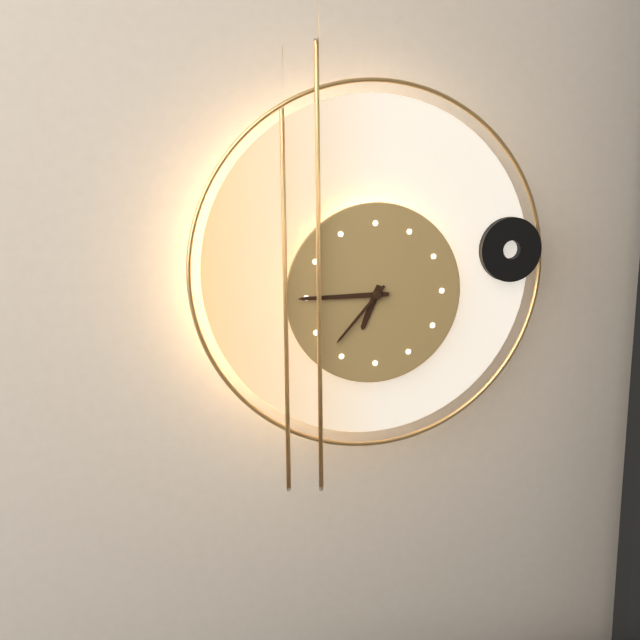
6:45:37
